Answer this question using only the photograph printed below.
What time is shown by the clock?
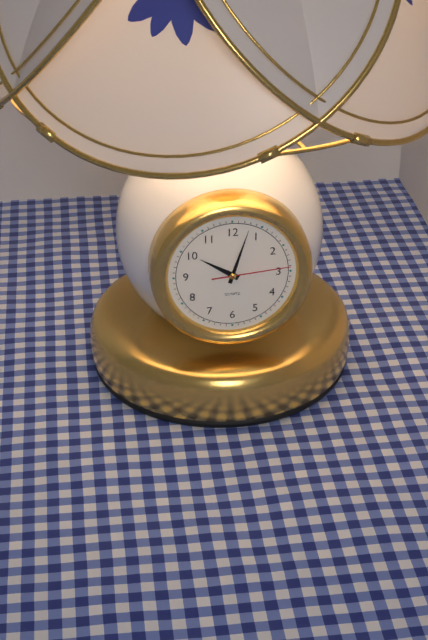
10:03:14
